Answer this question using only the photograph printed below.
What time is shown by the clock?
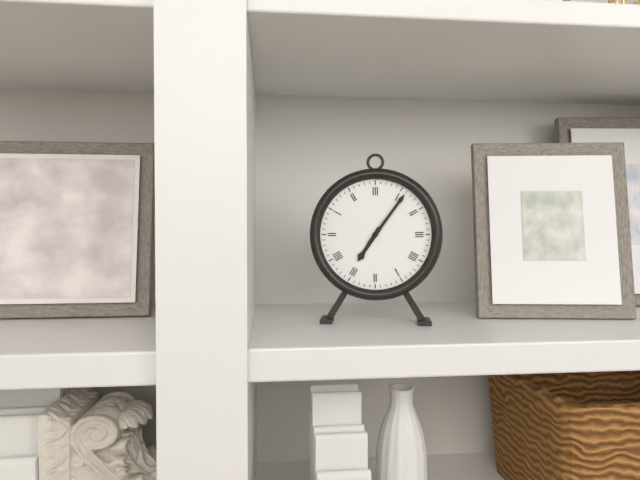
7:06
